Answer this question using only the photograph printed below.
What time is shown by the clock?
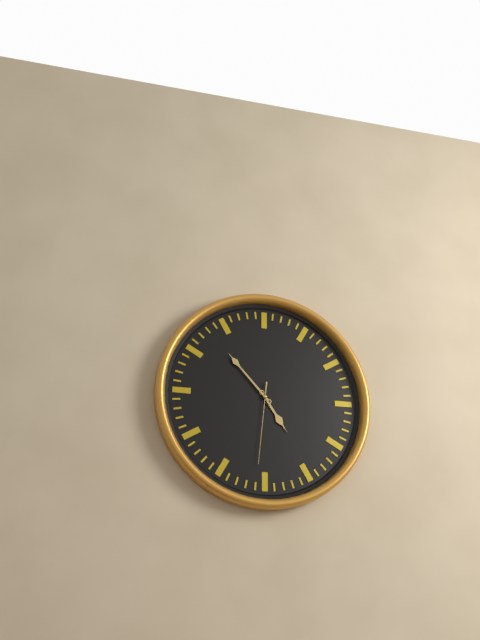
4:53:31
